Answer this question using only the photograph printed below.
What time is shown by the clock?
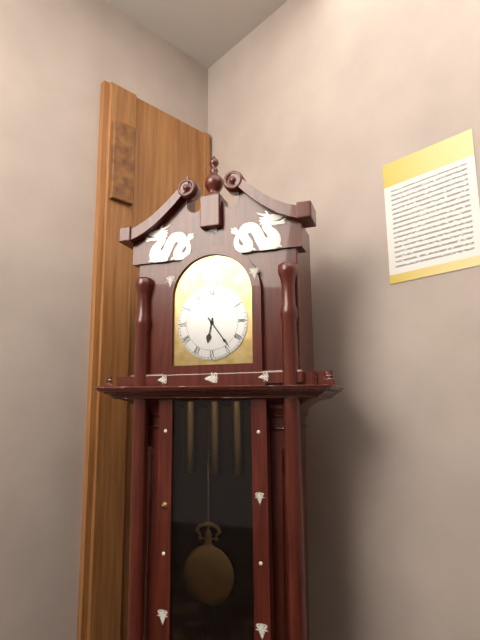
6:24
